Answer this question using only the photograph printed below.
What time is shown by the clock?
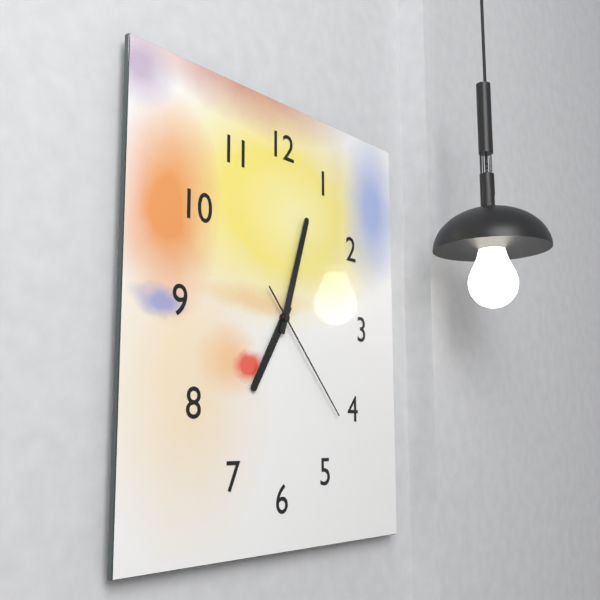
7:03:23
